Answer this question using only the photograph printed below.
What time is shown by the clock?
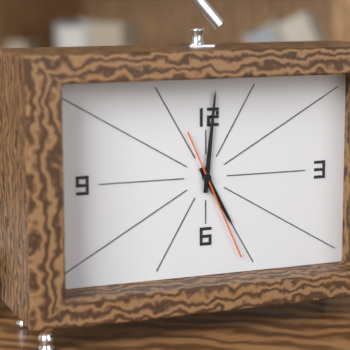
5:01:26
